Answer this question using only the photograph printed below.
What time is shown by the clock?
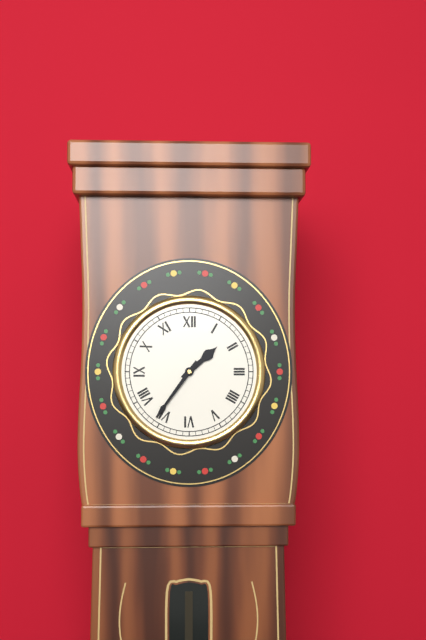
1:36
